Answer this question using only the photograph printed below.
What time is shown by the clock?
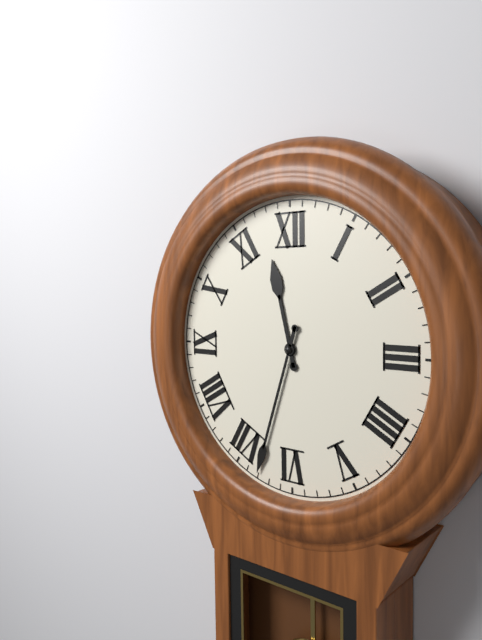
11:33
